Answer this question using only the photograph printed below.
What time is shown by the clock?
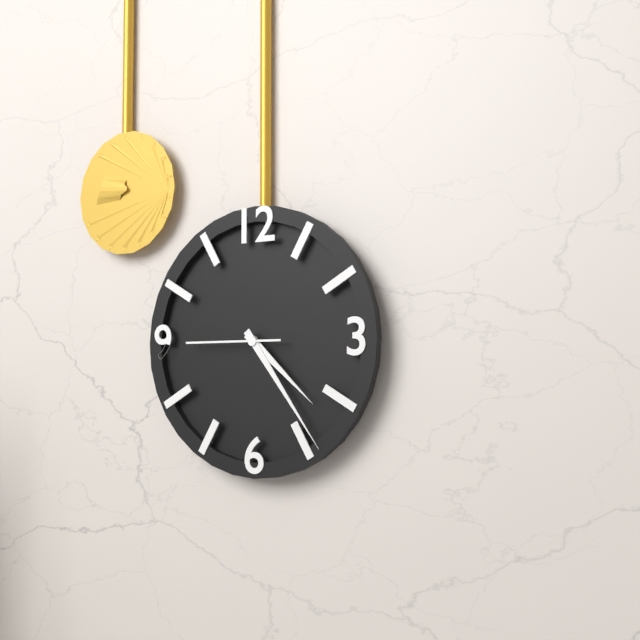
4:24:45
